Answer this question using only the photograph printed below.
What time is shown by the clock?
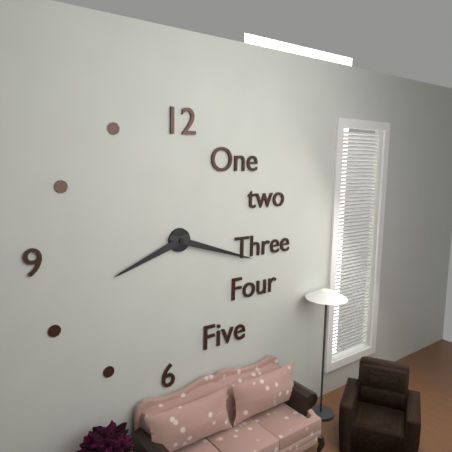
8:18
